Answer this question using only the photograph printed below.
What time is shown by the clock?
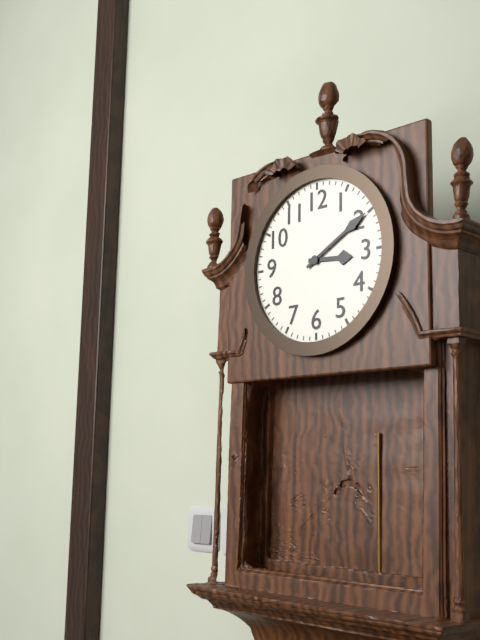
3:10
